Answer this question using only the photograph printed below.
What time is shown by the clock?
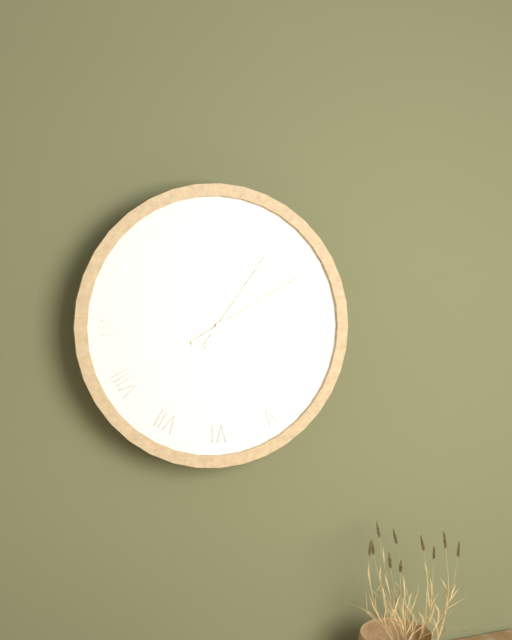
1:10
